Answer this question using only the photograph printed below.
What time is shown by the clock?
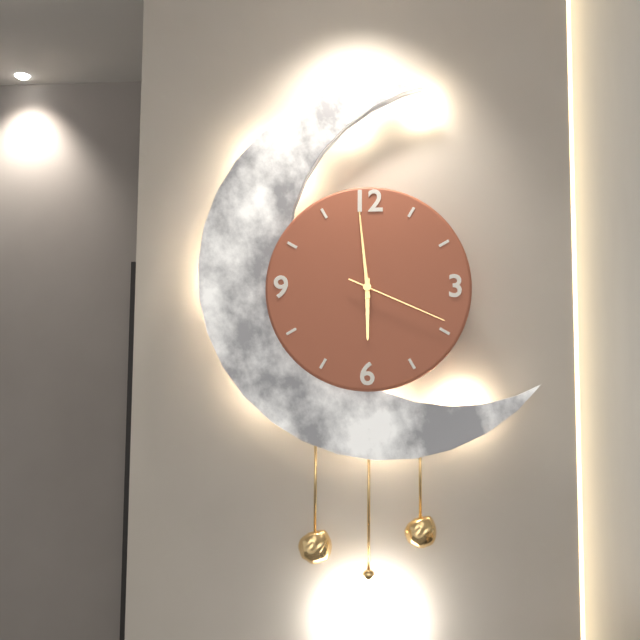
5:59:19
